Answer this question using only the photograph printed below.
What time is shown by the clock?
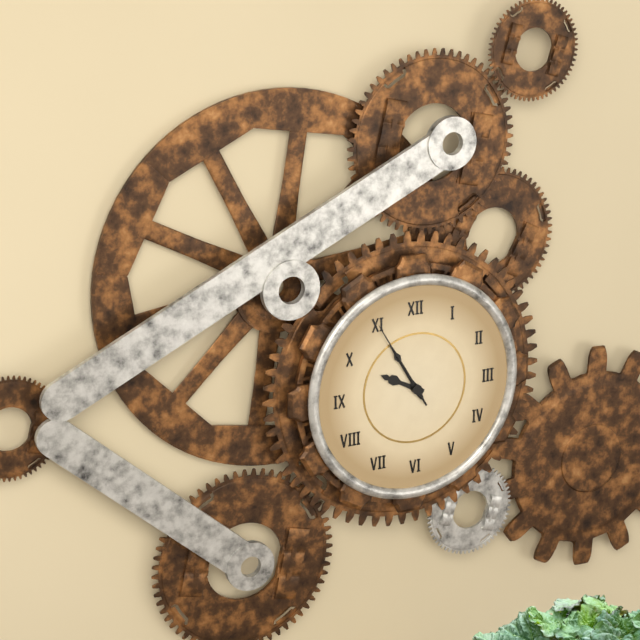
9:55:55
